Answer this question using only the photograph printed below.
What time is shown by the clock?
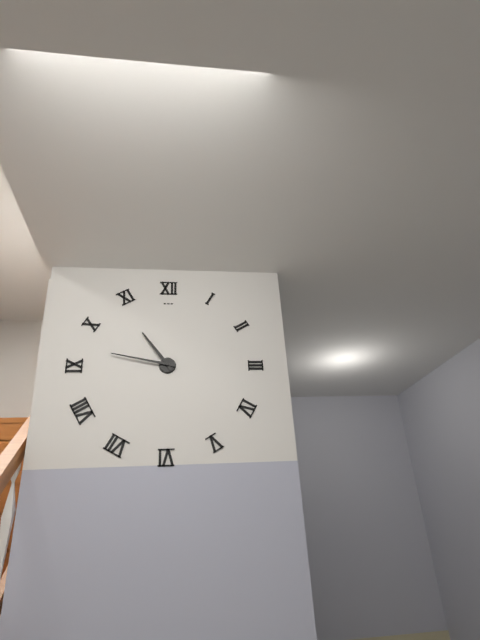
10:47
